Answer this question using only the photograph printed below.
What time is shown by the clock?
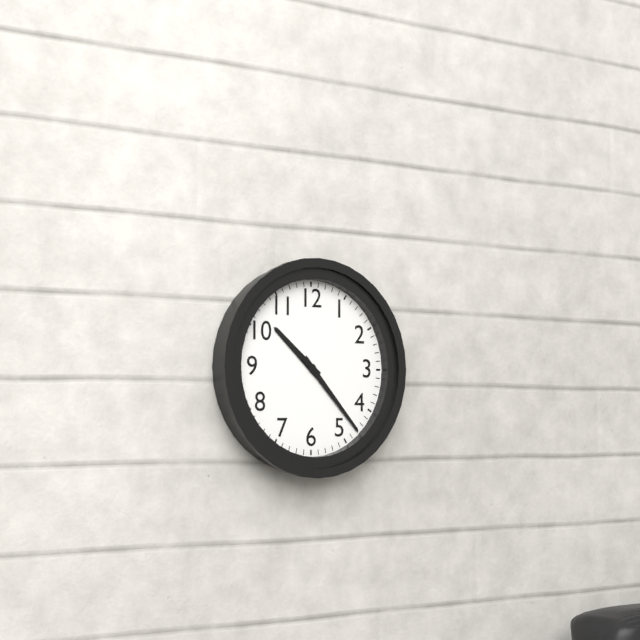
10:23
